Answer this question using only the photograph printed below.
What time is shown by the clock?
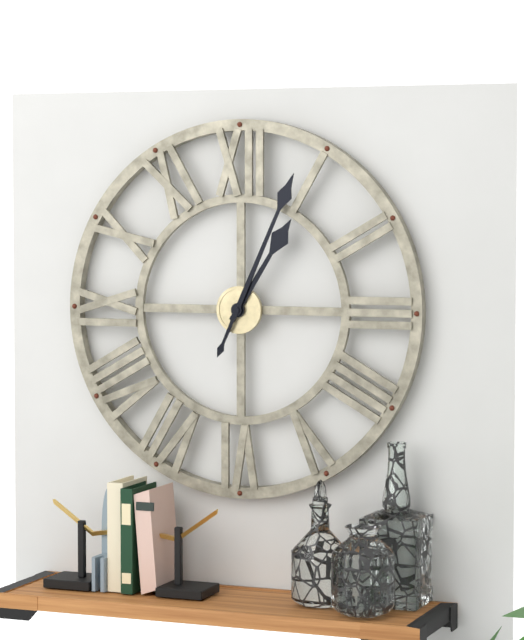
1:04
